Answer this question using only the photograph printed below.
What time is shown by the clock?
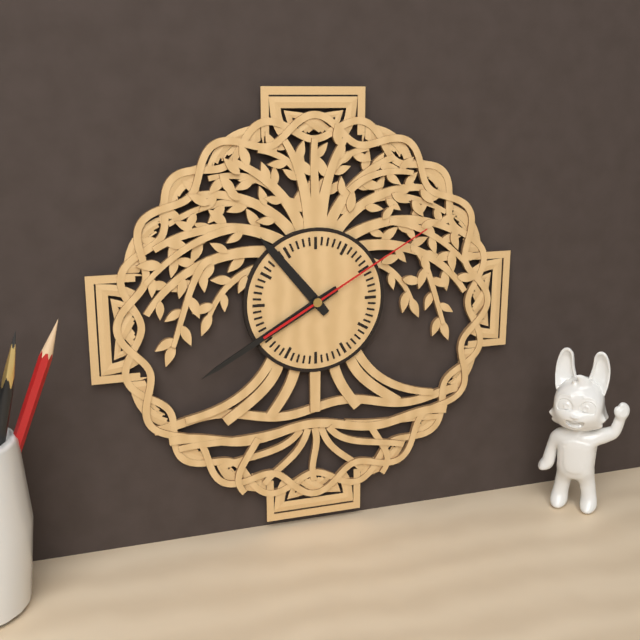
10:40:10
